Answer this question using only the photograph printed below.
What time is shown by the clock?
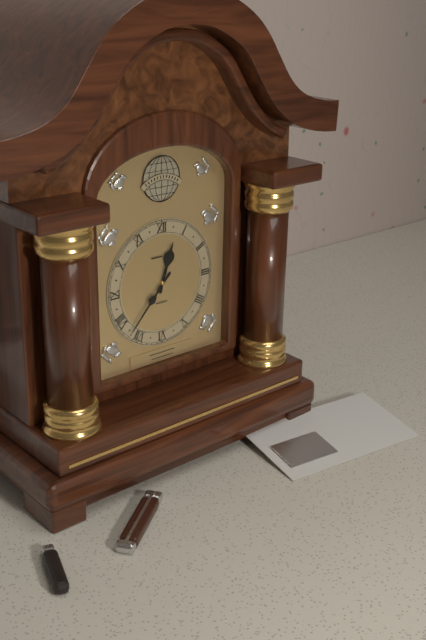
12:37
